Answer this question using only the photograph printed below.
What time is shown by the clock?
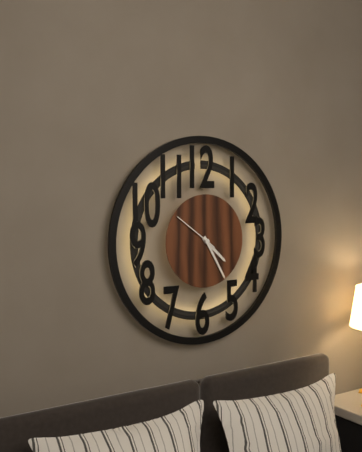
4:25
